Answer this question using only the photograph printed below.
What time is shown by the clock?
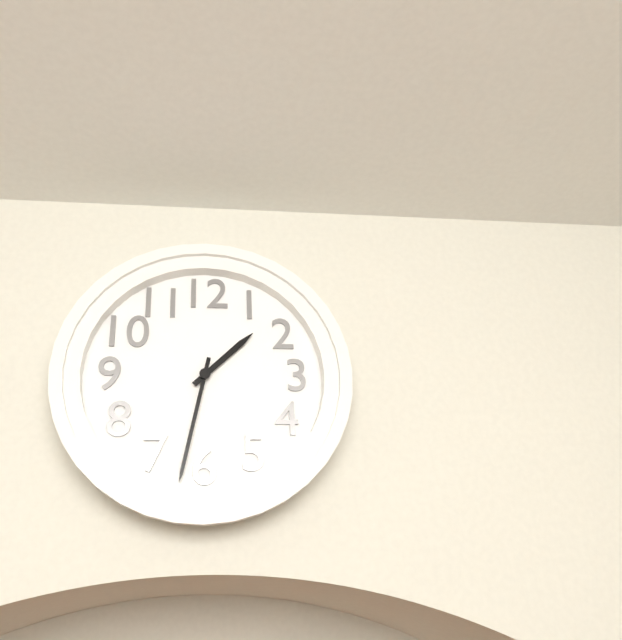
1:32
